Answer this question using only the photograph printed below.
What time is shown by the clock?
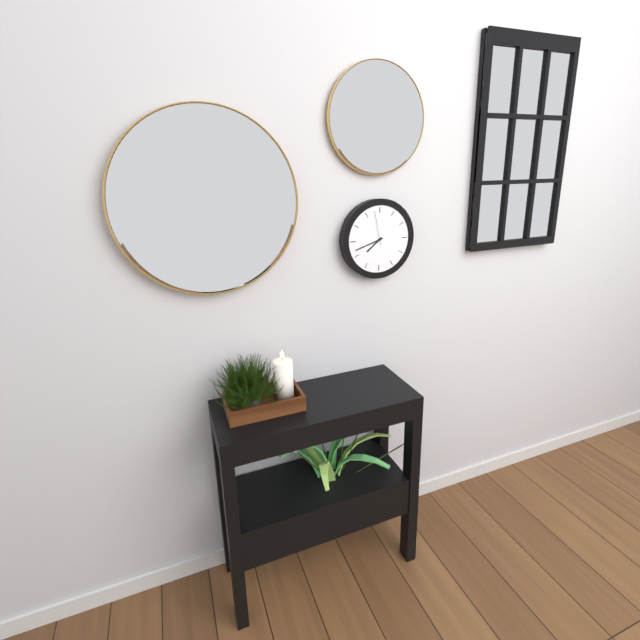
7:42
